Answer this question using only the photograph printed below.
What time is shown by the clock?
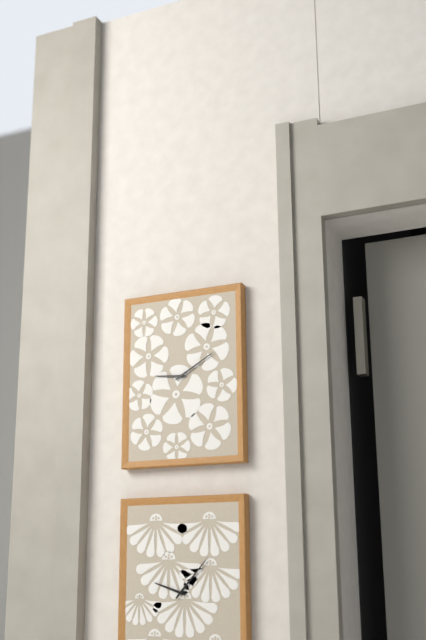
9:10
